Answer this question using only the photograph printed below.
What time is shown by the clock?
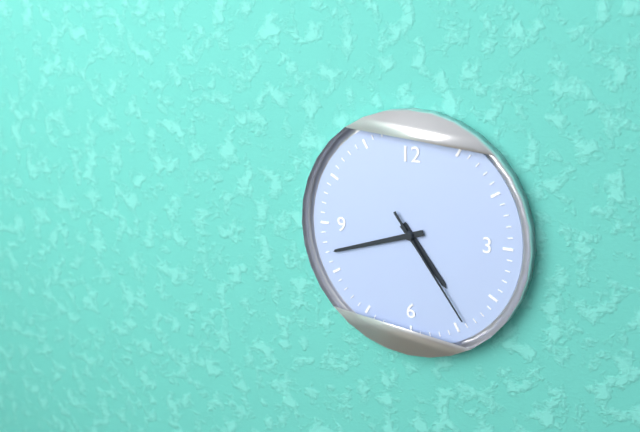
4:42:24
